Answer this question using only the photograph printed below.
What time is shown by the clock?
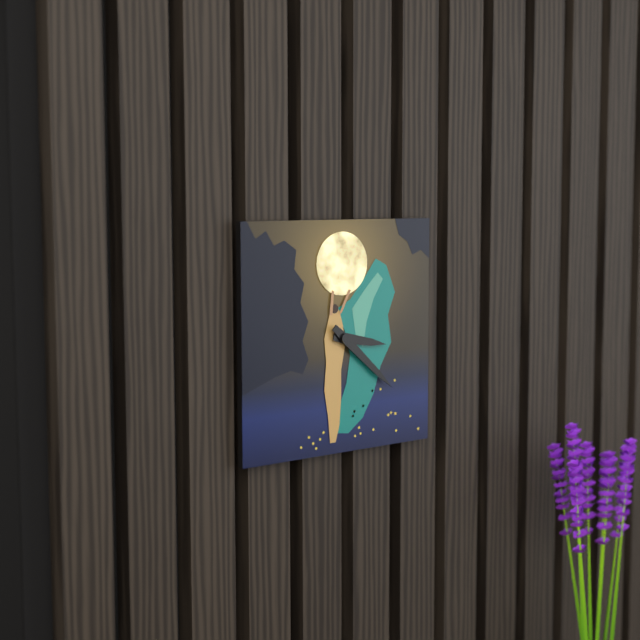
3:22
